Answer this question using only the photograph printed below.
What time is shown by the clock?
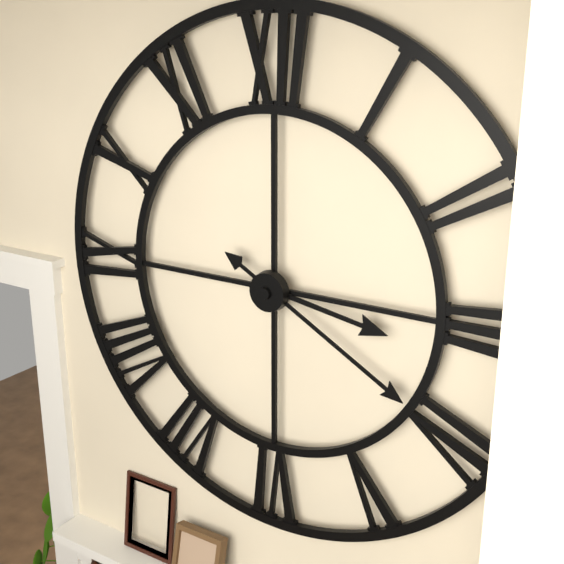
3:20
